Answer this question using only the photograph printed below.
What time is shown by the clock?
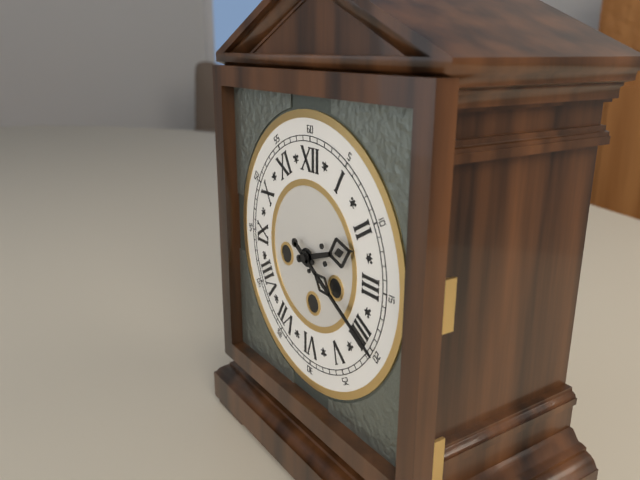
2:20
